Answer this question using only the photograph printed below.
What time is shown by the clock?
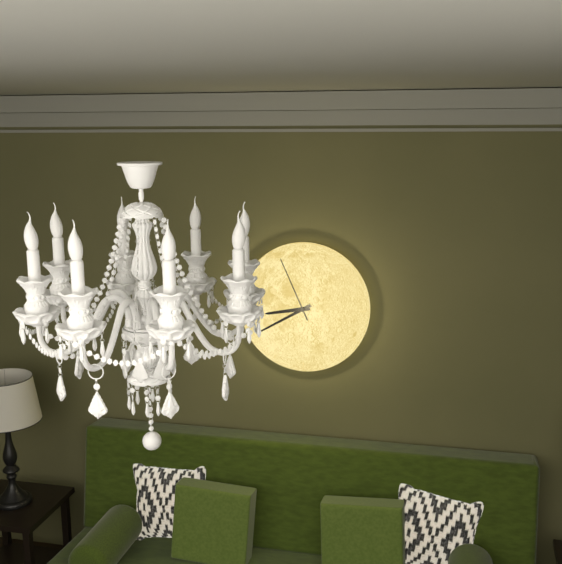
8:40:56
